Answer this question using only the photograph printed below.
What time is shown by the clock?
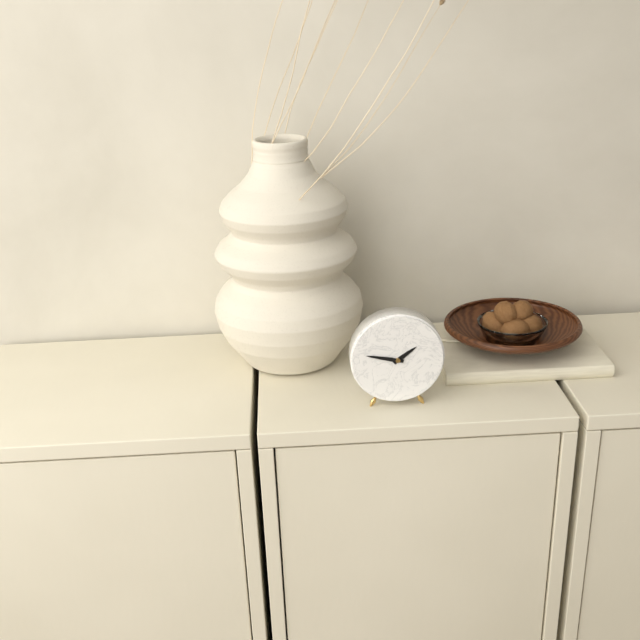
1:47
